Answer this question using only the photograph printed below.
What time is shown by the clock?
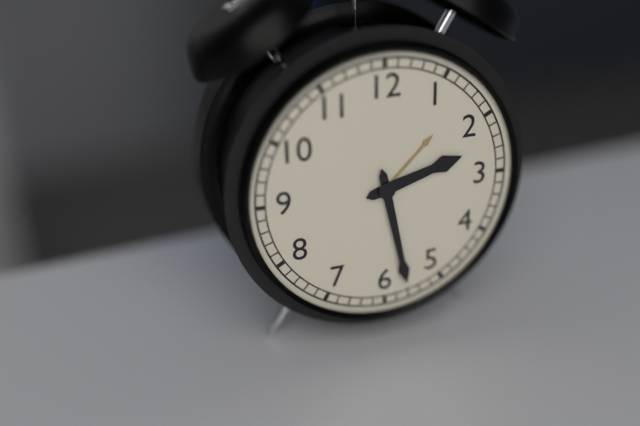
2:28
